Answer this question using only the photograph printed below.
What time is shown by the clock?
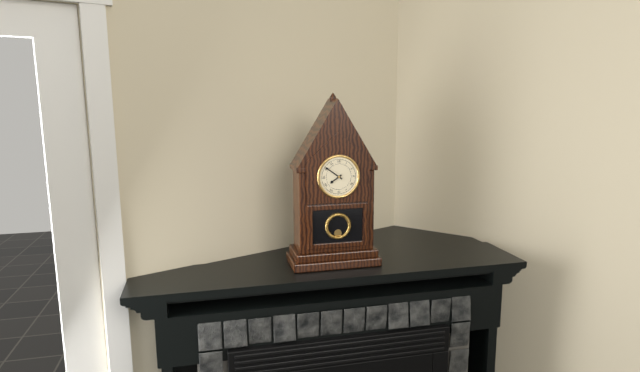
7:51
